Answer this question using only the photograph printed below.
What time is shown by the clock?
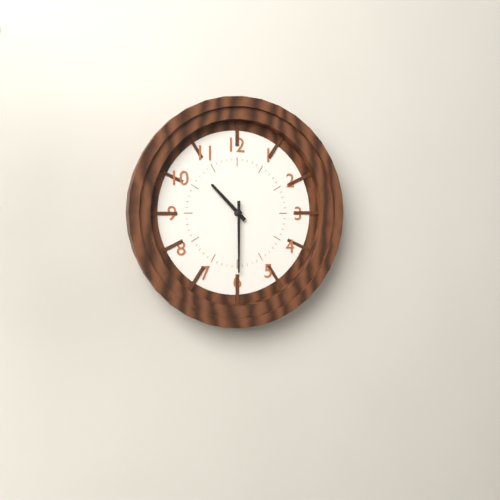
10:30
